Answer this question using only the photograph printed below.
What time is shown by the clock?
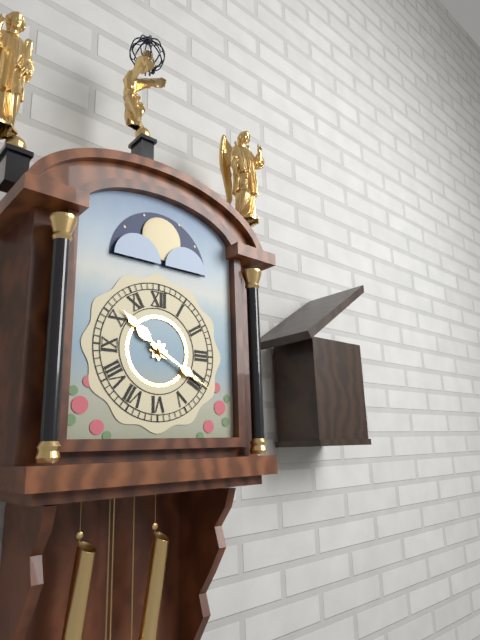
10:20
